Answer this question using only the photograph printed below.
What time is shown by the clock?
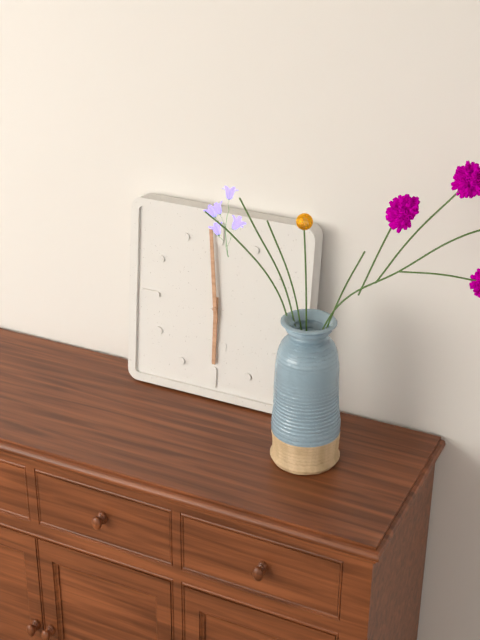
5:59
